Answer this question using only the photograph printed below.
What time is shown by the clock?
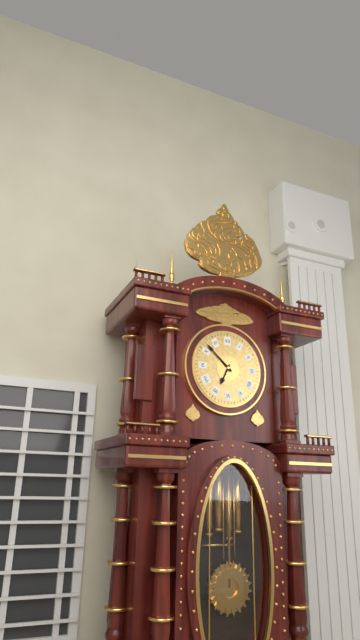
6:52
